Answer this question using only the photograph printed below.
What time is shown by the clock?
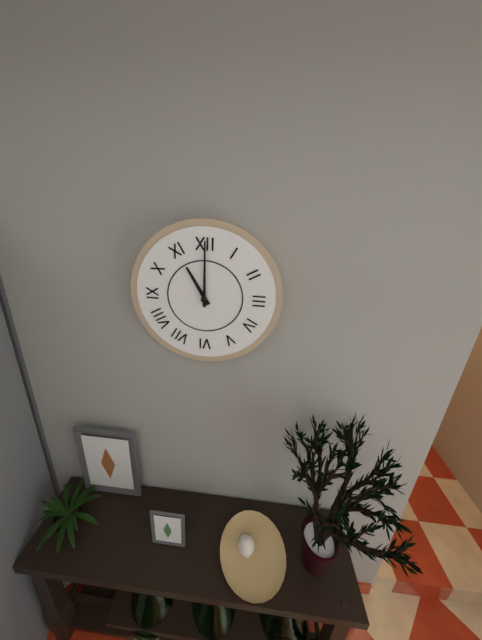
11:00
